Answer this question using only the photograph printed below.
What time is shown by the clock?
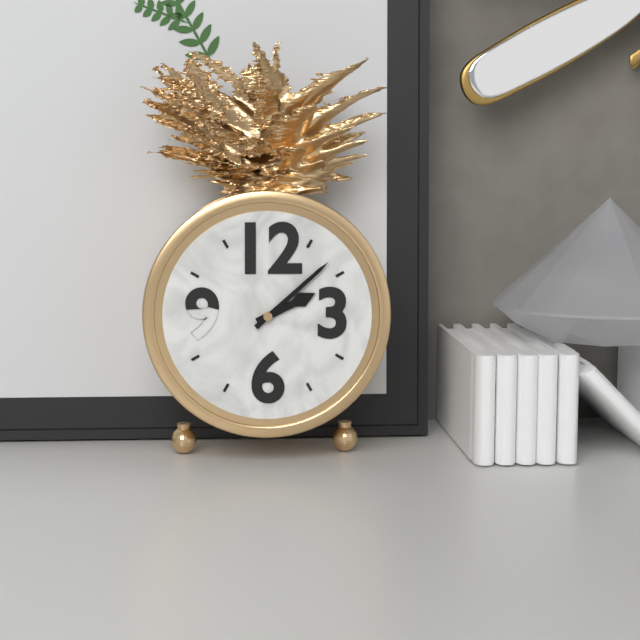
2:08
